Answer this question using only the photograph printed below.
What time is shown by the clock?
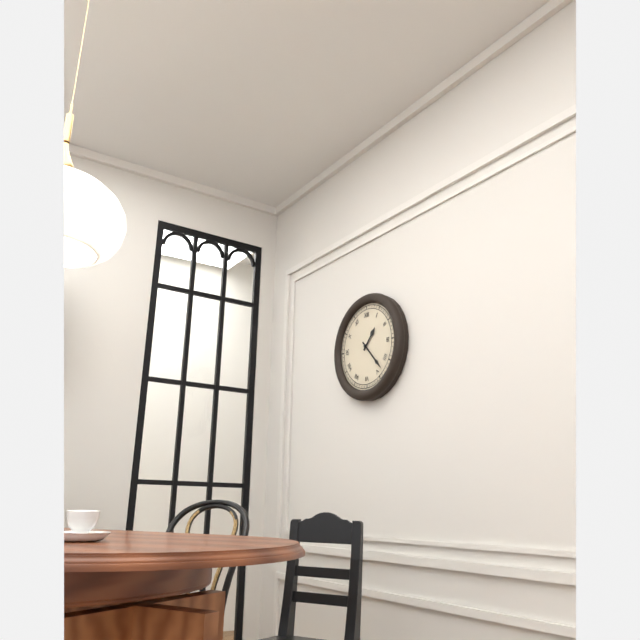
1:23
